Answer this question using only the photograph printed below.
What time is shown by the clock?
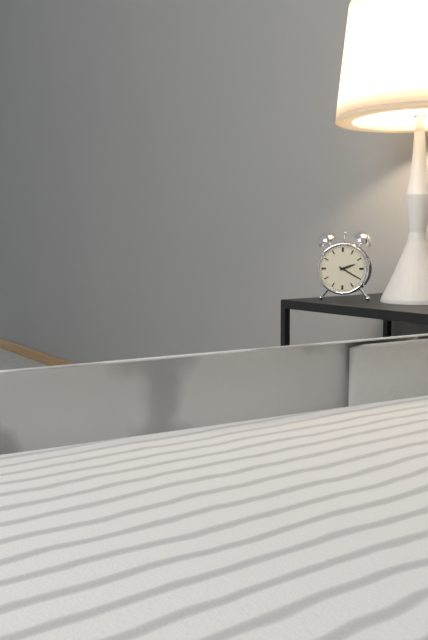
2:20
